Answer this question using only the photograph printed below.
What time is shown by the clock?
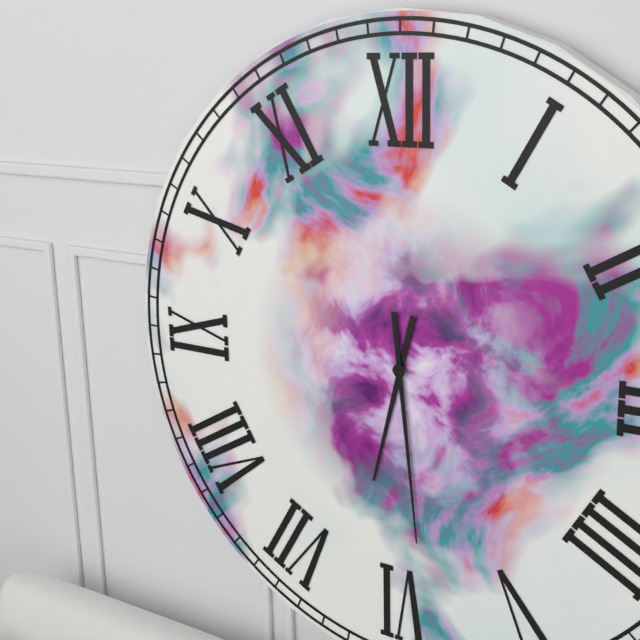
6:29
